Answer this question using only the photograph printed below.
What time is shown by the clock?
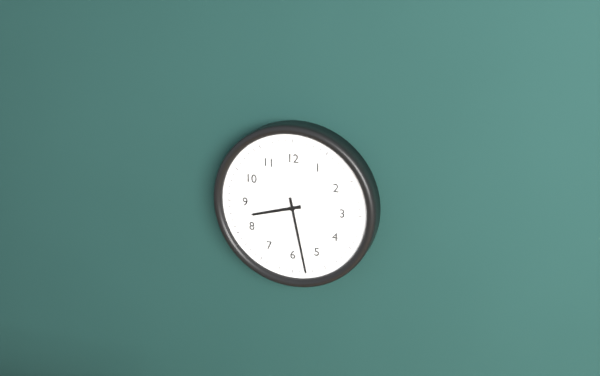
8:28
